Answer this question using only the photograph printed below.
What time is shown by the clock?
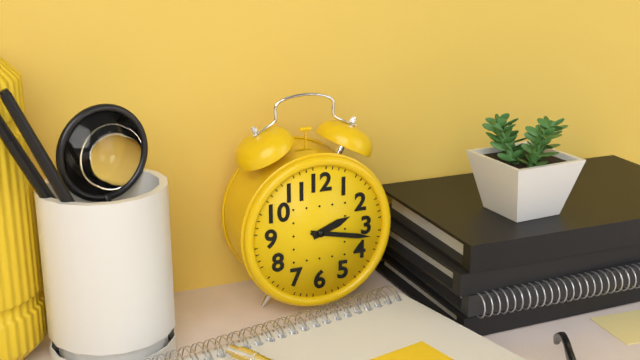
2:17
